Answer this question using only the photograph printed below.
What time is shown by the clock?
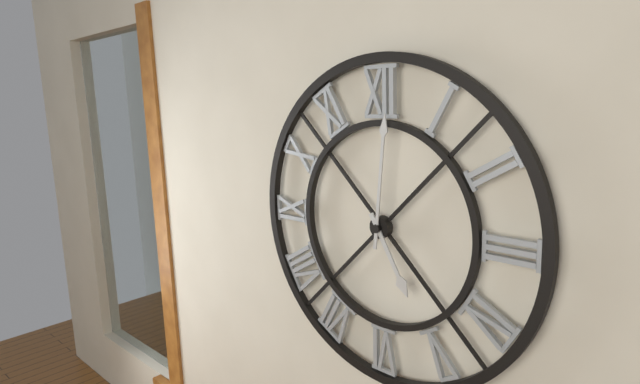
5:01
